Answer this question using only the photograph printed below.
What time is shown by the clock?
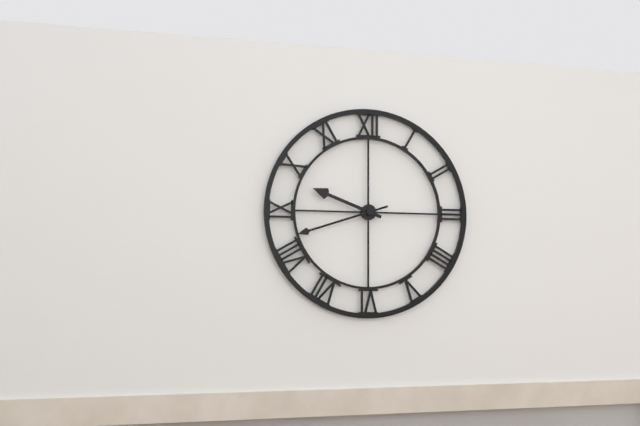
9:42
